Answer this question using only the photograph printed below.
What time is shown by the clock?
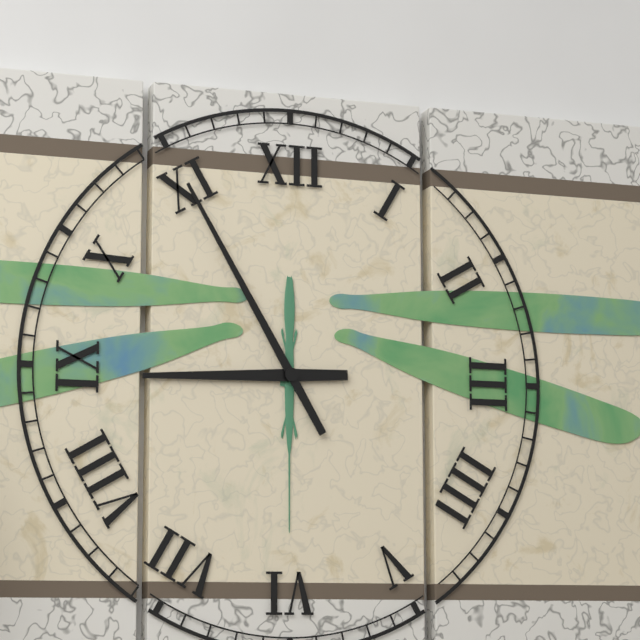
8:55
